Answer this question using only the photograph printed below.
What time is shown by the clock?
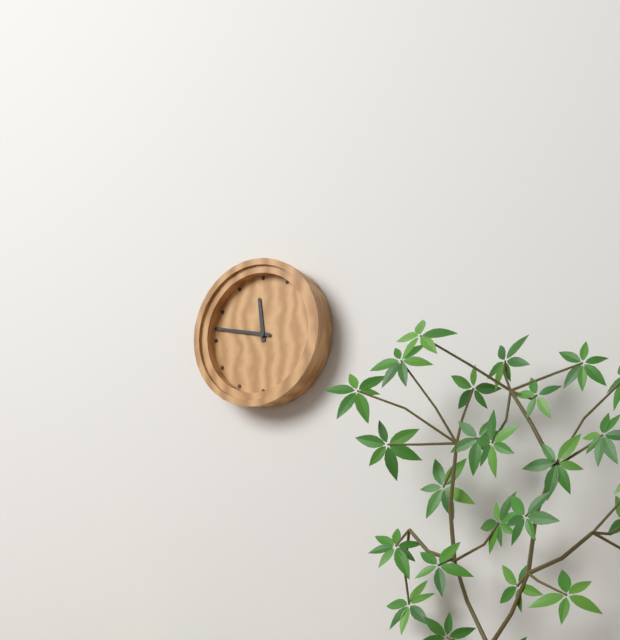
11:47
